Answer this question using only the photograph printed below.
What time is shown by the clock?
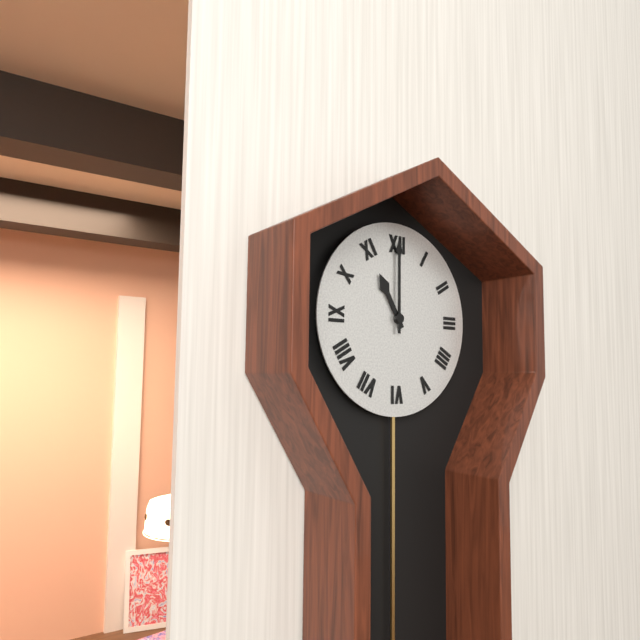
11:00
